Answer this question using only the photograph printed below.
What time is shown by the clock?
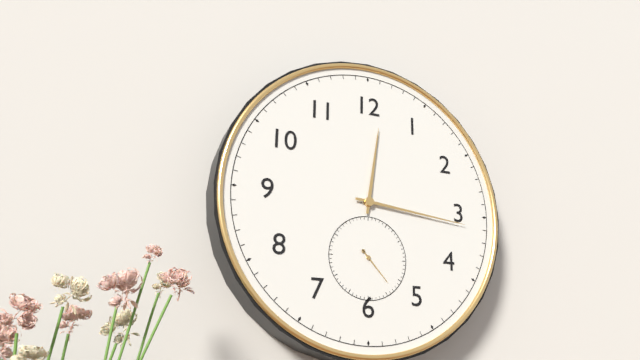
12:16
